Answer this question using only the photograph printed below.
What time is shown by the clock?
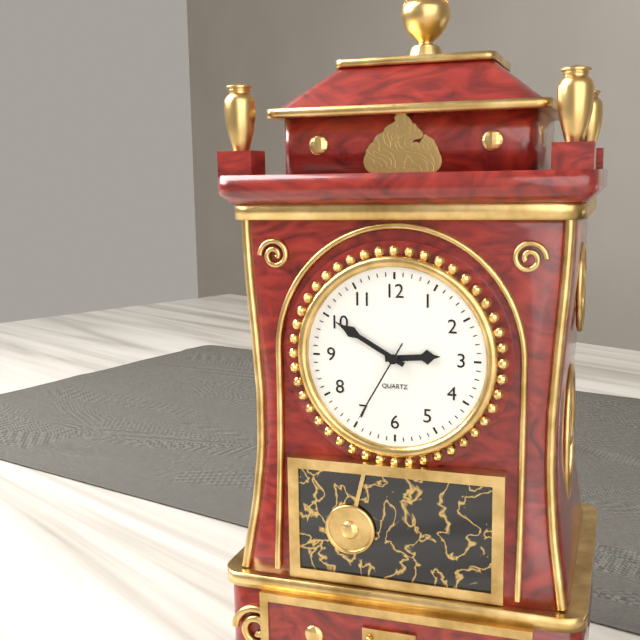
2:50:35
